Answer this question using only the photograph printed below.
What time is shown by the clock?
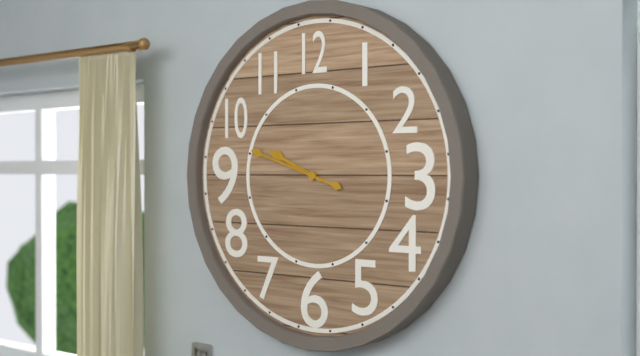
9:48
